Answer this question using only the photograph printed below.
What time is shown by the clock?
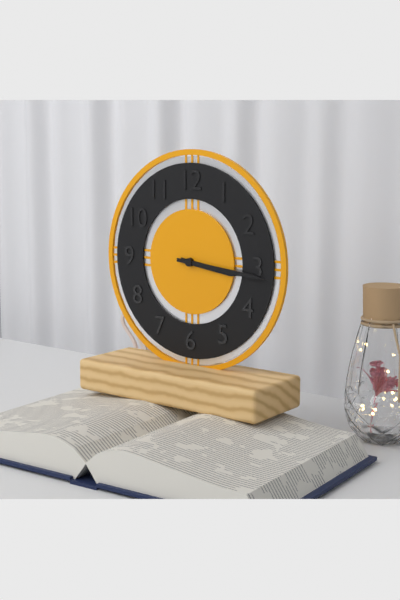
3:16
